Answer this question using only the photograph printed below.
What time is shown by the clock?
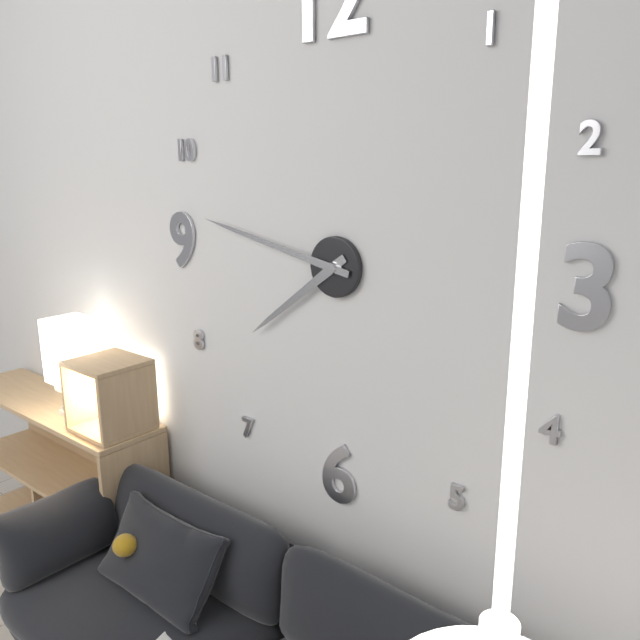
7:47
